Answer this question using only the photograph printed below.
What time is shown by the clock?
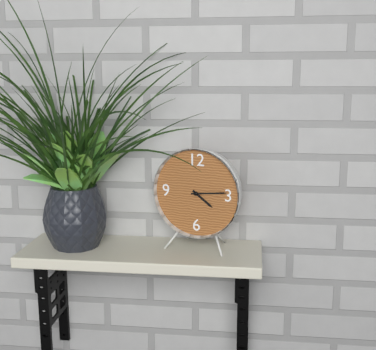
4:14
